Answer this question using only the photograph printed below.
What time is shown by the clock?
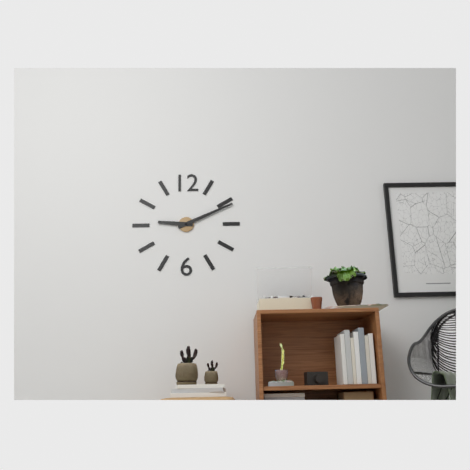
9:11
